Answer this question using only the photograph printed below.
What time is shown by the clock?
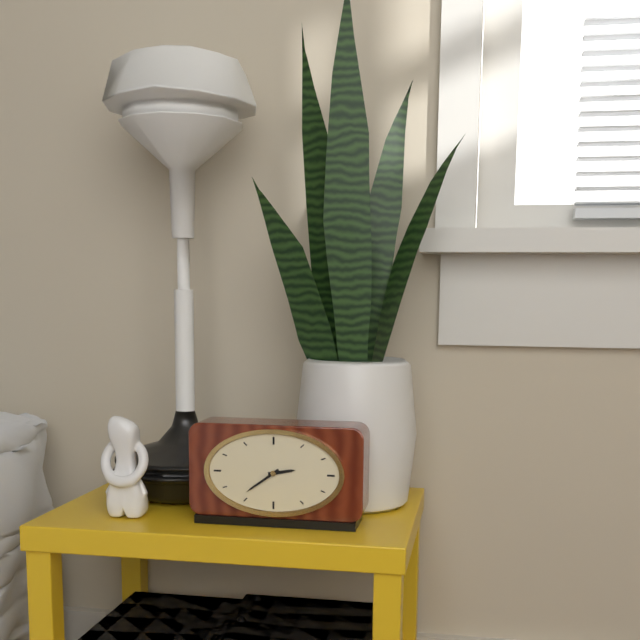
2:39
